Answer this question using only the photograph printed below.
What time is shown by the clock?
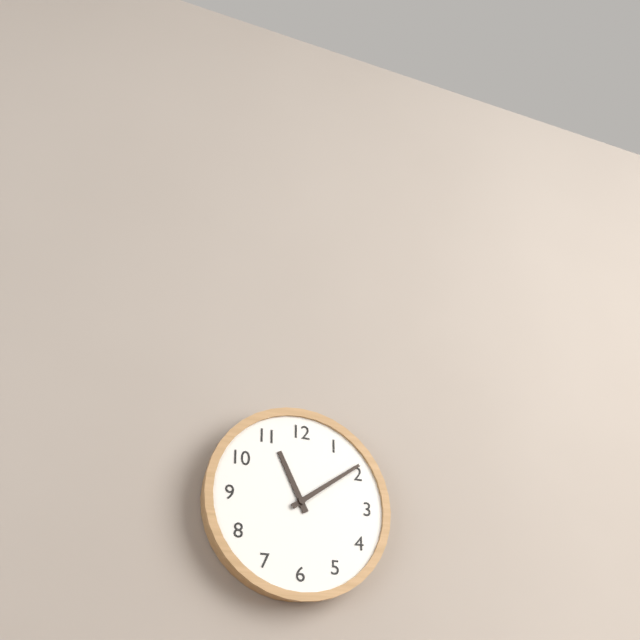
11:09
